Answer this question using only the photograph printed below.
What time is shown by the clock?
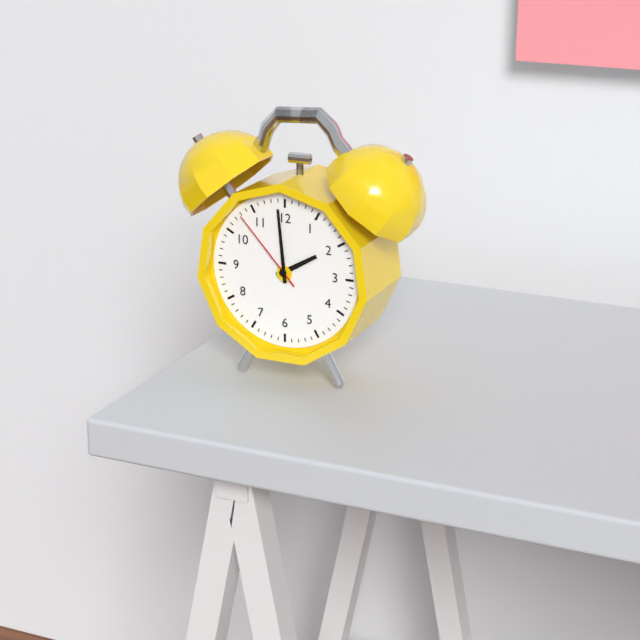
1:59:53
